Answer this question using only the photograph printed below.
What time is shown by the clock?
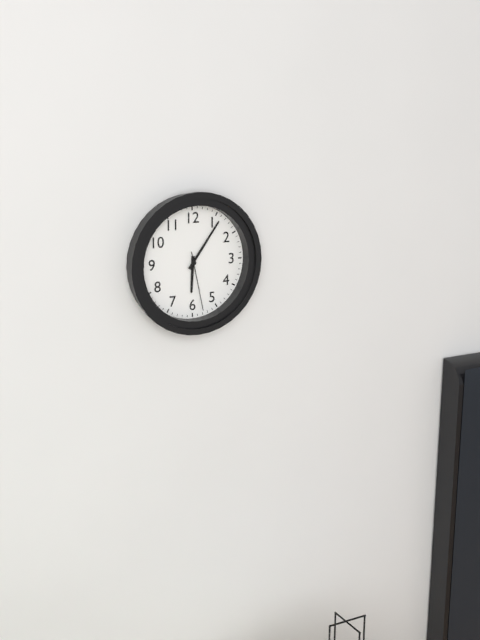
6:06:28
